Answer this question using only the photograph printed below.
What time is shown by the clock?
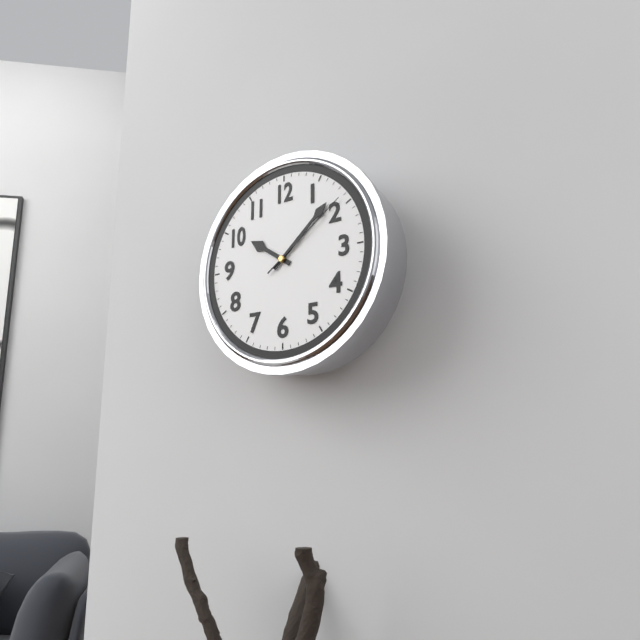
10:08:09
